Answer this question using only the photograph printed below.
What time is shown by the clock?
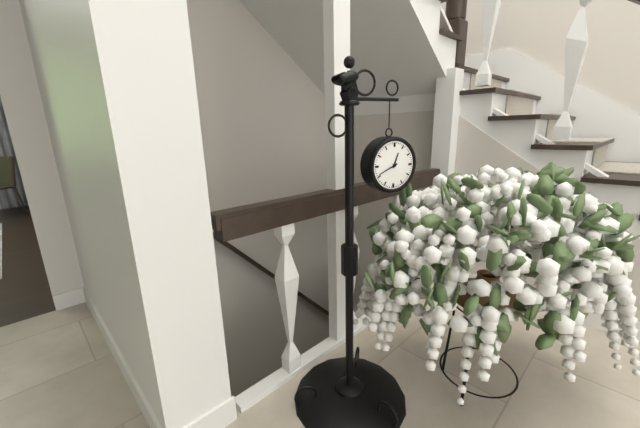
12:41
